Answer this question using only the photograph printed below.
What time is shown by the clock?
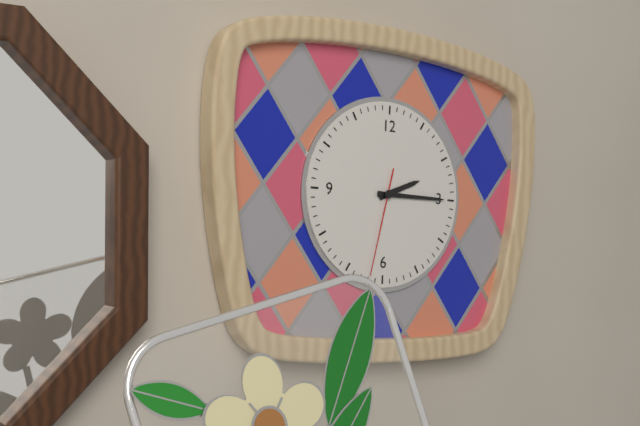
2:15:32
